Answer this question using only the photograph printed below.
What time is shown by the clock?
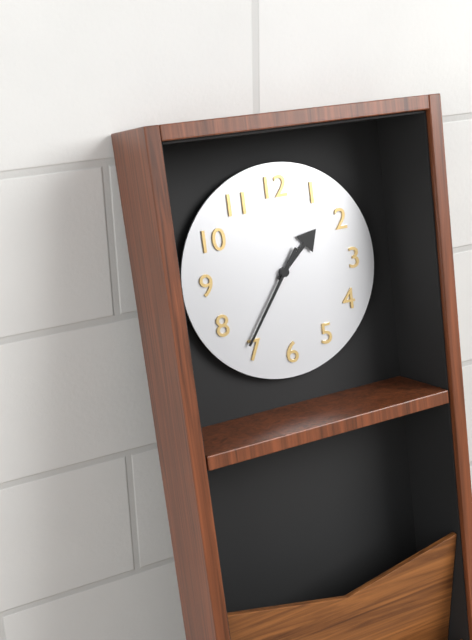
1:36
